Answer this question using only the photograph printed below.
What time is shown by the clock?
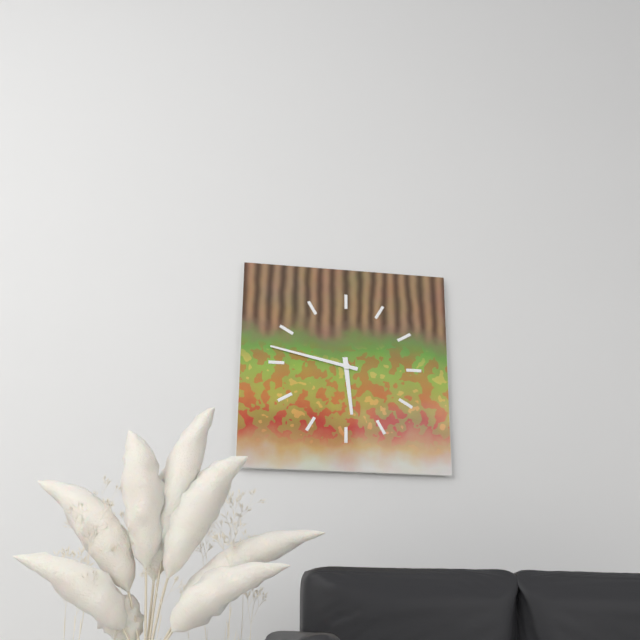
5:47
